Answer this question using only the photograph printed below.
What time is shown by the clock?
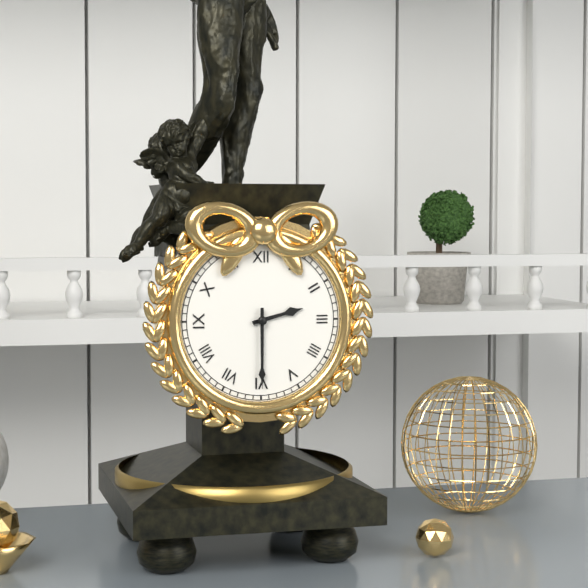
2:30
